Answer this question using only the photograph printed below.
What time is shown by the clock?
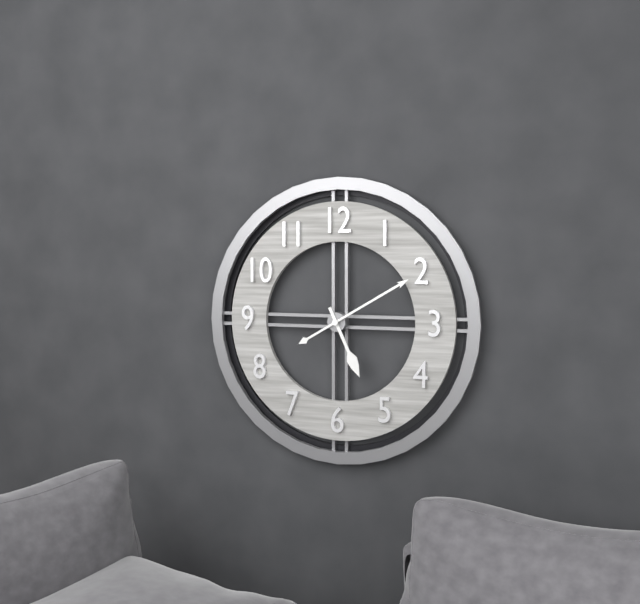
5:10
